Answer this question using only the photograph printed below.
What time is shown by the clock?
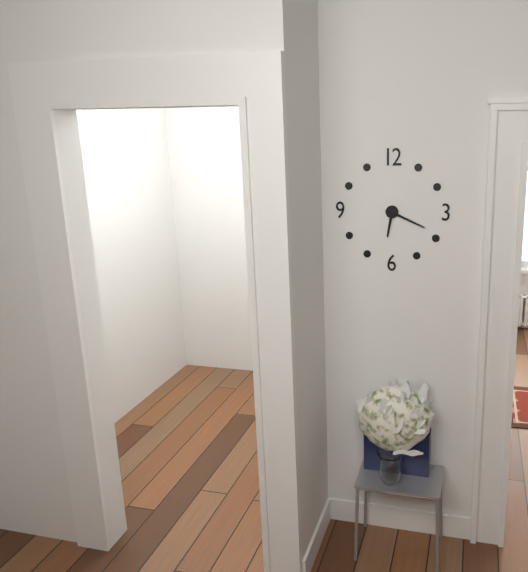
6:19
